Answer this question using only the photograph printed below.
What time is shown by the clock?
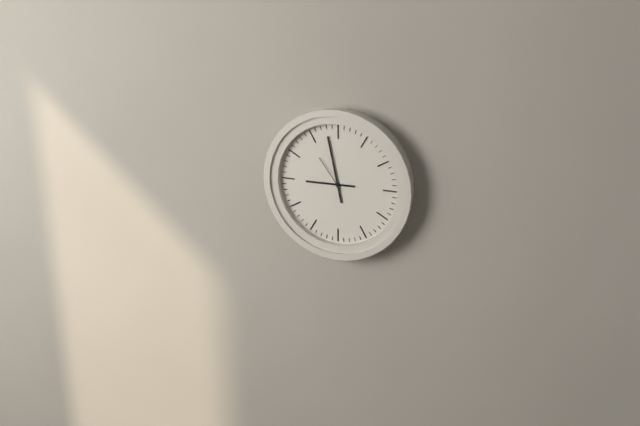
8:58
